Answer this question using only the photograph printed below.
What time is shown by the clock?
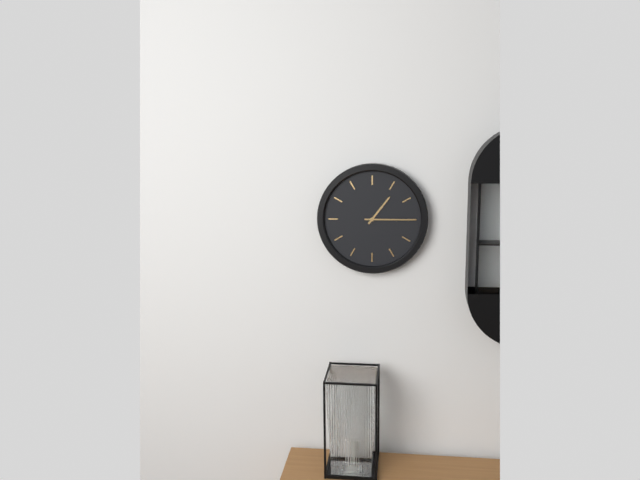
1:15
